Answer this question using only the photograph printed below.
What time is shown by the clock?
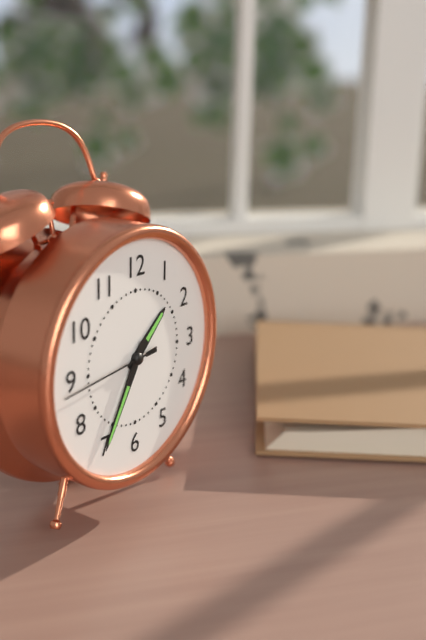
1:35:44
